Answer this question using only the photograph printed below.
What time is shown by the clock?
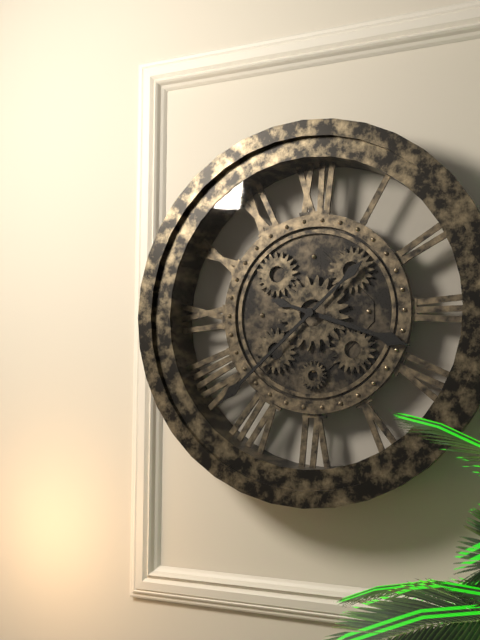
3:38
